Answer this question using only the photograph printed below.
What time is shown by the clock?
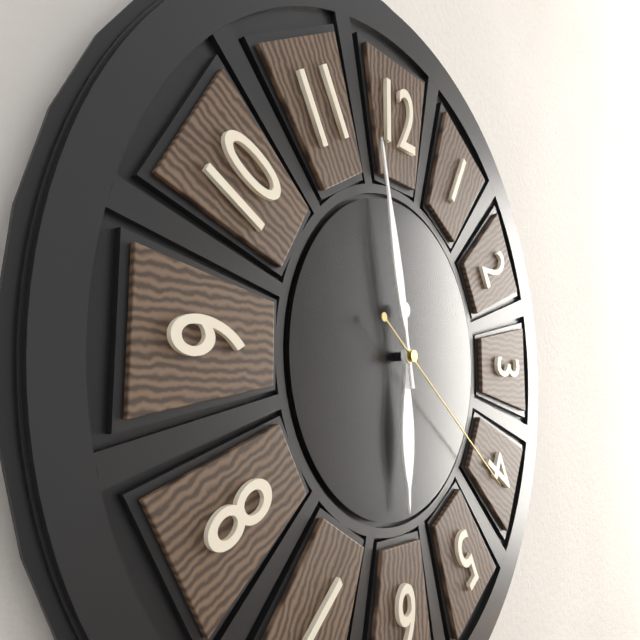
5:58:21
